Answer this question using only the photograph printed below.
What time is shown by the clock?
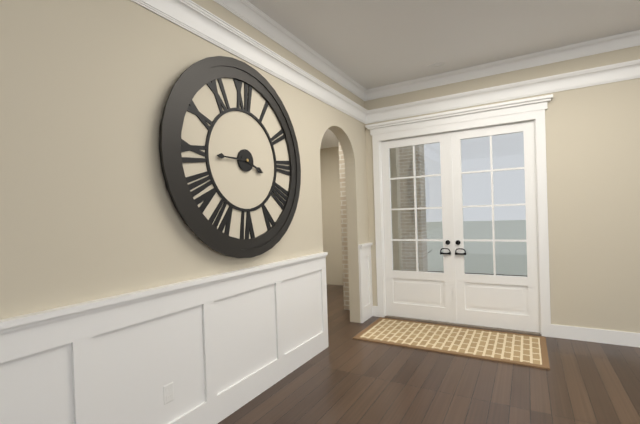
3:45
